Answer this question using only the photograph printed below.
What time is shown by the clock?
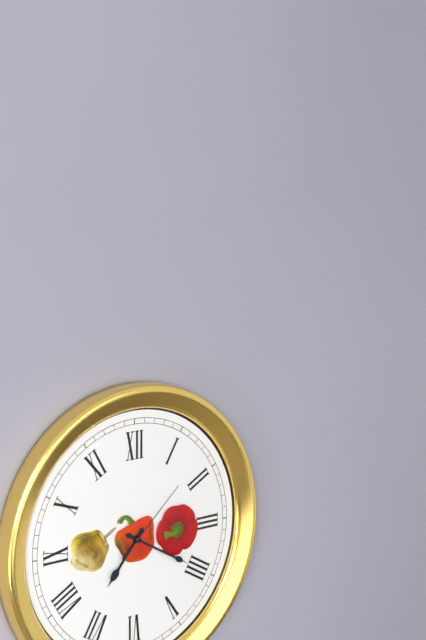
7:20:08
